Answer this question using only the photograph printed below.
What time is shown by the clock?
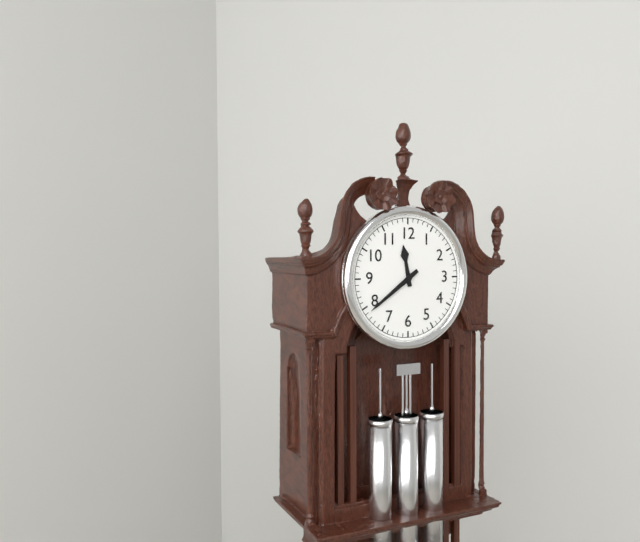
11:39
